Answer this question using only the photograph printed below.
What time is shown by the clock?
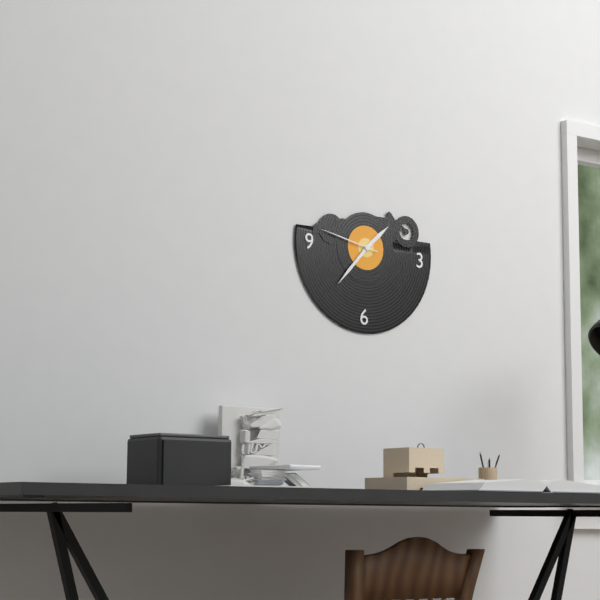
1:37:47
